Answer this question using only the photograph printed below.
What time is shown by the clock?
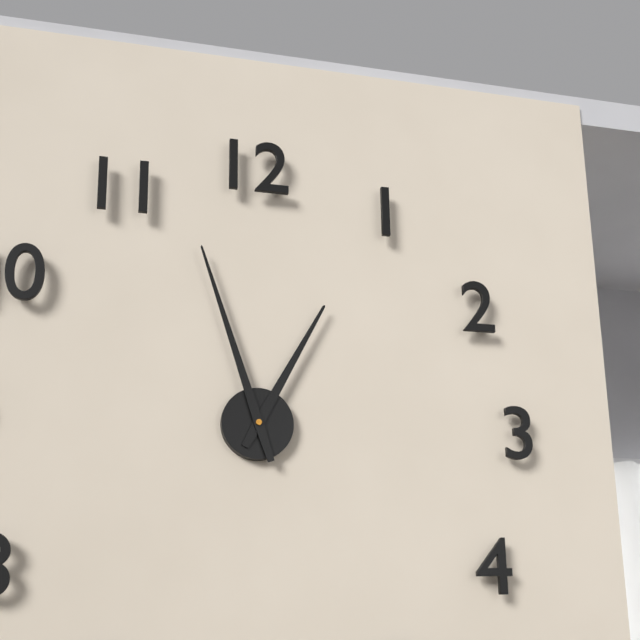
12:57
